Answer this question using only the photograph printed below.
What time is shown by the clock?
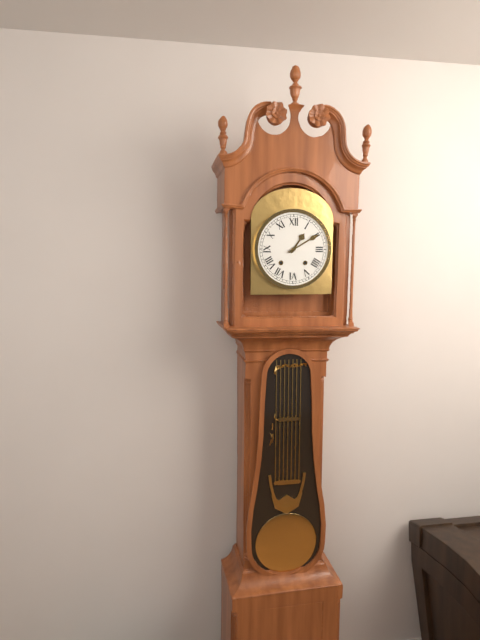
1:10
